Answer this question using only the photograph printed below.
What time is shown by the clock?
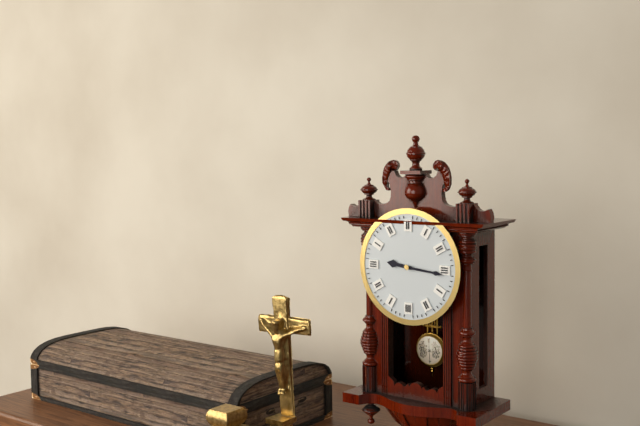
9:16
